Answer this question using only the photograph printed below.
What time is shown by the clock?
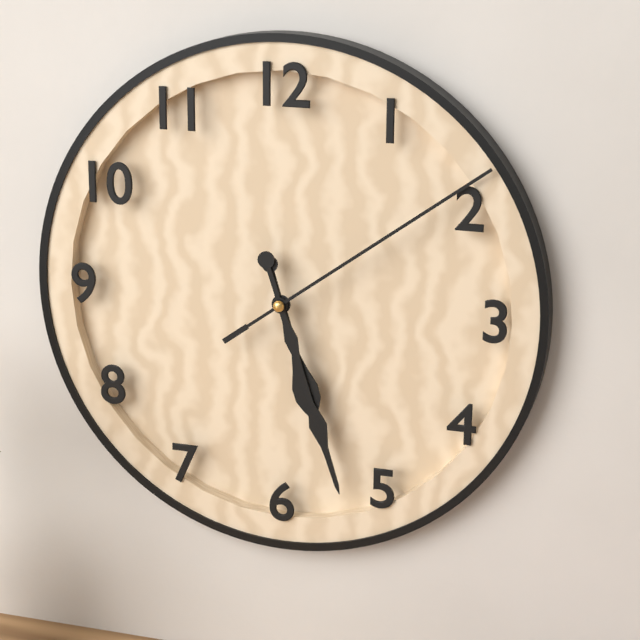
5:27:09
